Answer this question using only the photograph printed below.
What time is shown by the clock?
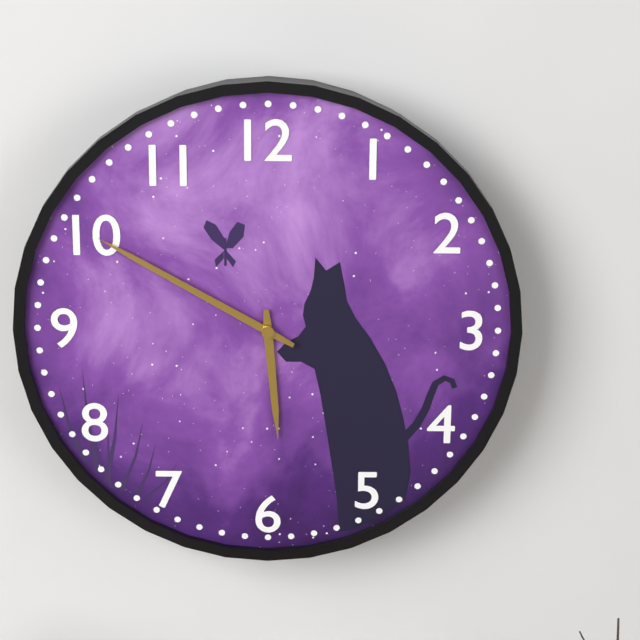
5:50
